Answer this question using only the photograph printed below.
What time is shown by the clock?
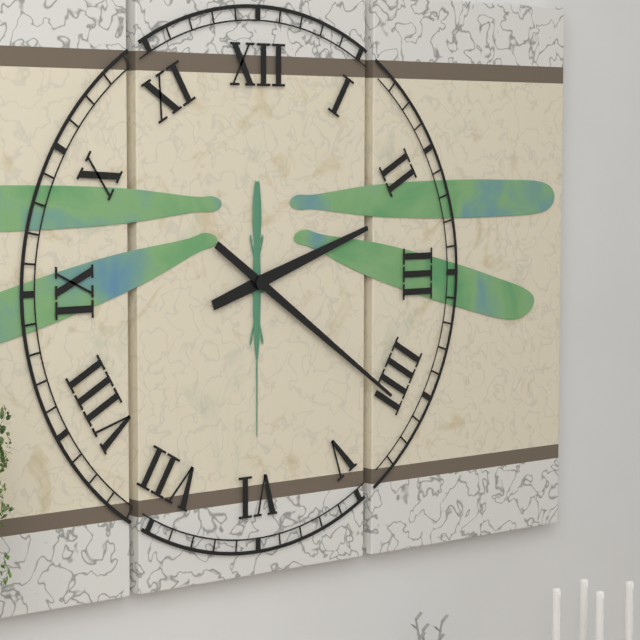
2:21
